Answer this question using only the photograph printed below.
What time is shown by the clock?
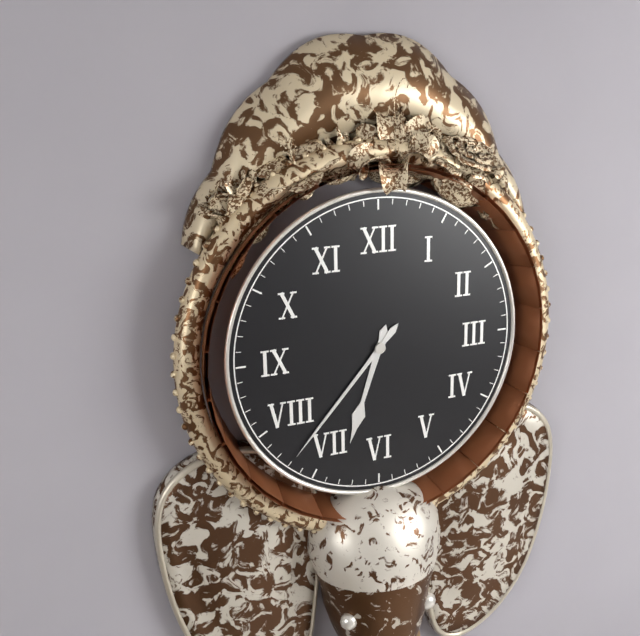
6:37
